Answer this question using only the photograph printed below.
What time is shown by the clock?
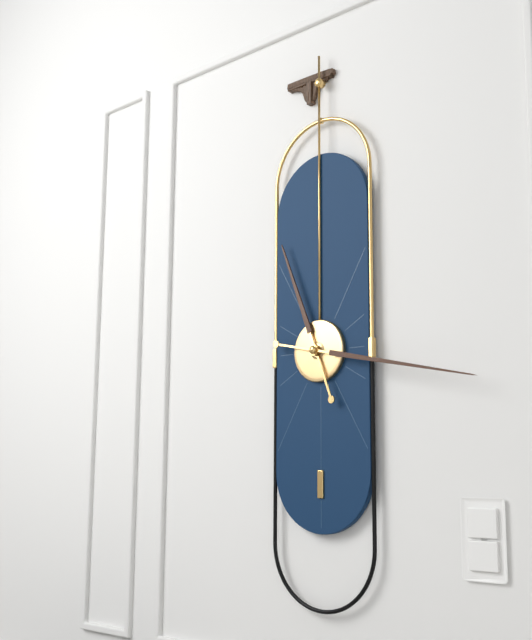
11:17
